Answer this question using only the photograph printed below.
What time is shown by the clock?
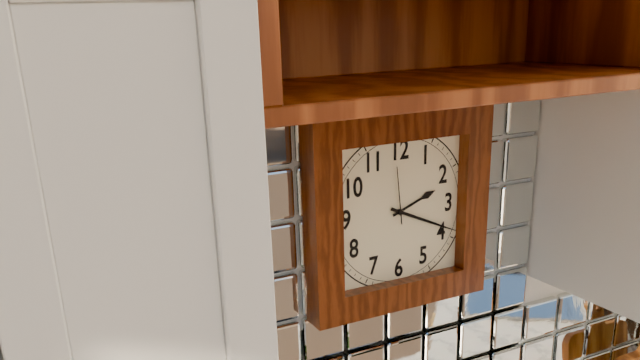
2:19:59
